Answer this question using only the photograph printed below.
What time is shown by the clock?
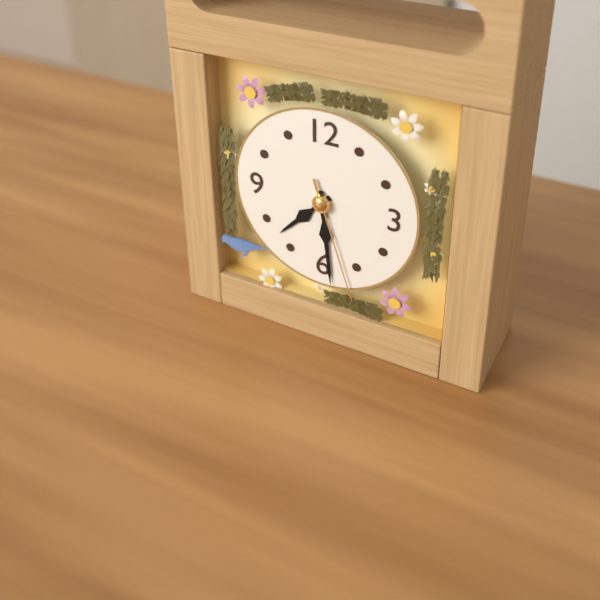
7:29:27
